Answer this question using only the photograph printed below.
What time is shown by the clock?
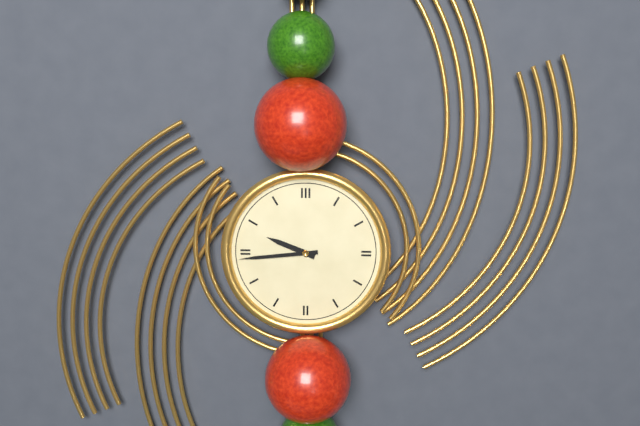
9:44
